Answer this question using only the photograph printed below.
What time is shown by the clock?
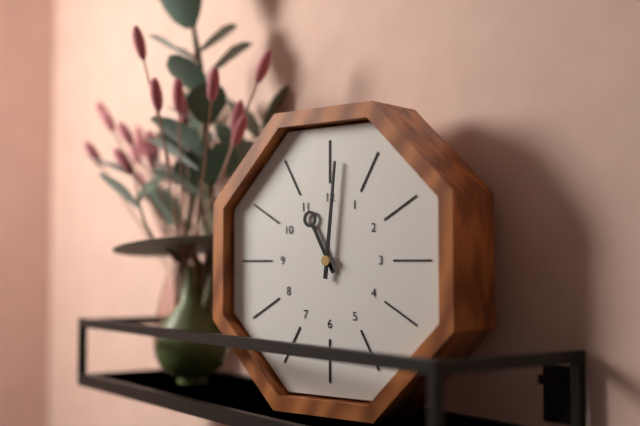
11:01
